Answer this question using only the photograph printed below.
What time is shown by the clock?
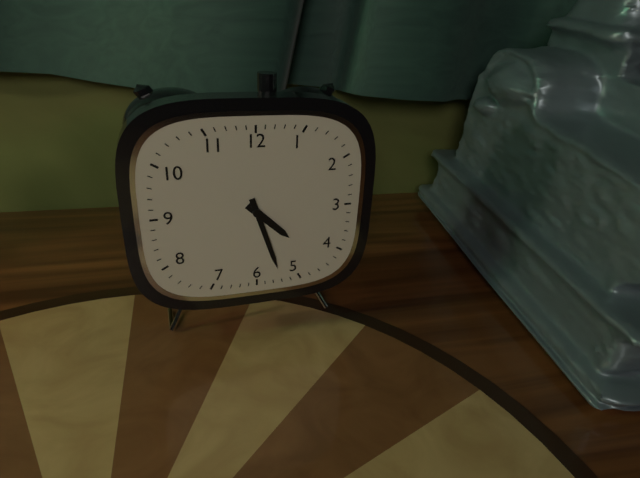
4:27
